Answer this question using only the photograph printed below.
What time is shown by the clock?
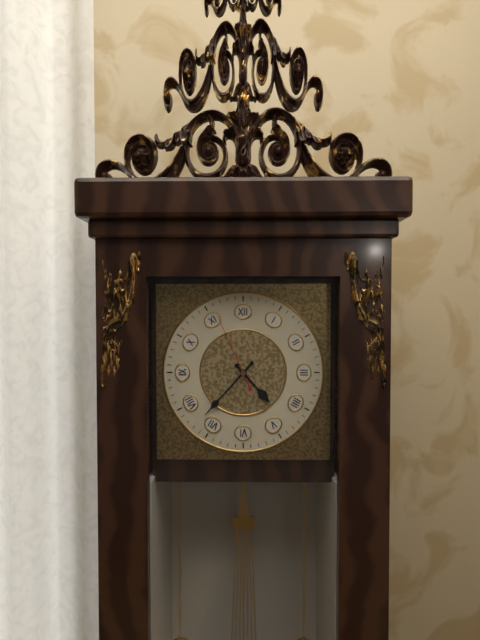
4:37:56
